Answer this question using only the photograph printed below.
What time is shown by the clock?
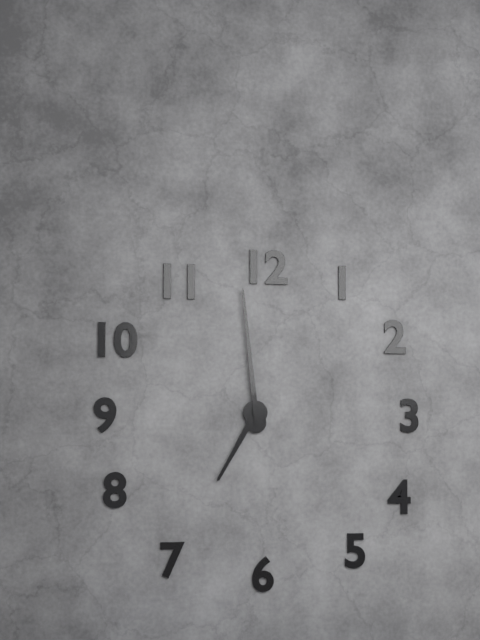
6:59
